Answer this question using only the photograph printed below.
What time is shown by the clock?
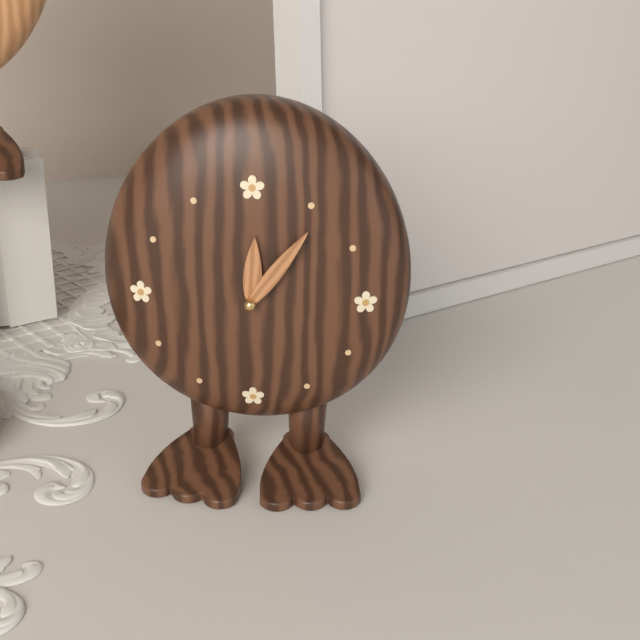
12:06
